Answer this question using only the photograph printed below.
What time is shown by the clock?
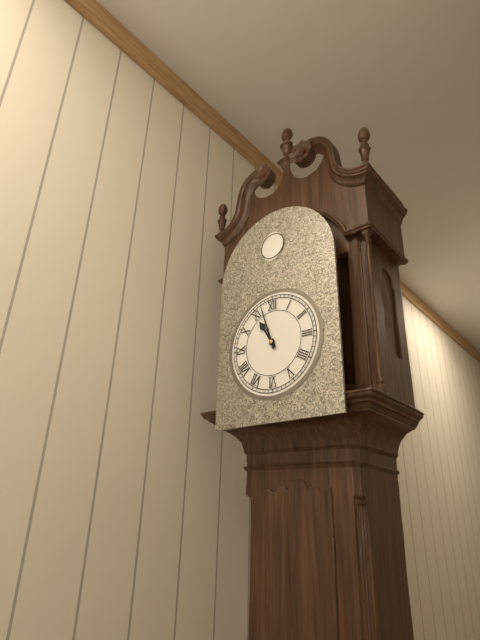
10:57
